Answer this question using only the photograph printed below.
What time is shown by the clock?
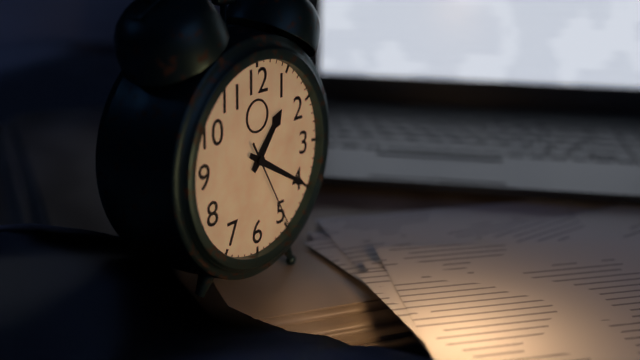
1:20:25
